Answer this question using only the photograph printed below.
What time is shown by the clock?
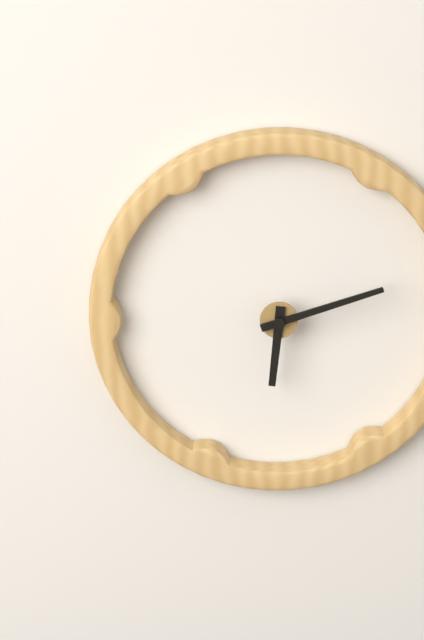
6:12
